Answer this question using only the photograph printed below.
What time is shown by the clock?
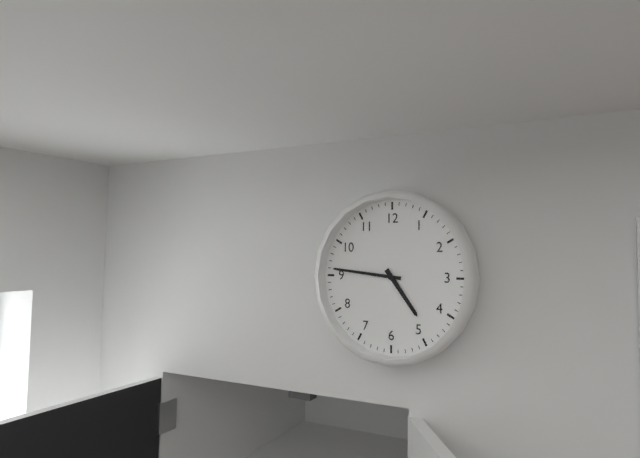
4:46
